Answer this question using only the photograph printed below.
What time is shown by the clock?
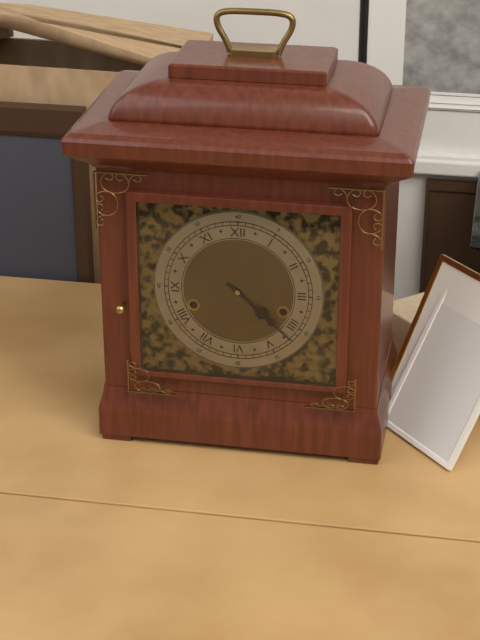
4:22
